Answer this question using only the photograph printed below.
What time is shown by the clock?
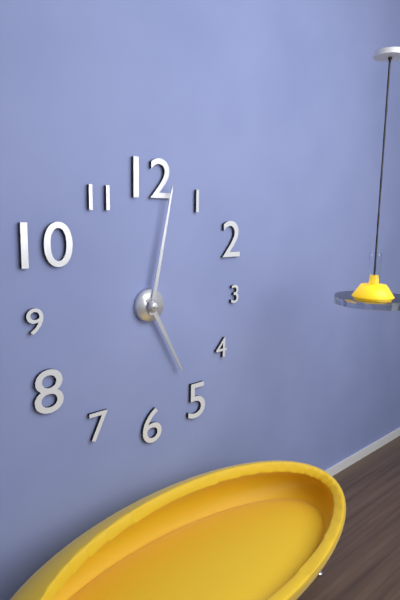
5:02
